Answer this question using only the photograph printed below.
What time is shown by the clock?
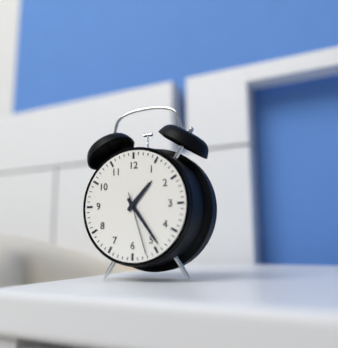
1:24:27
